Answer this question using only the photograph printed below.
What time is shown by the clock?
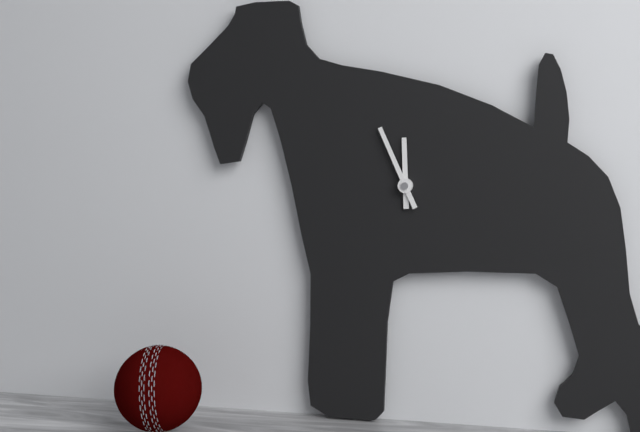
11:56
